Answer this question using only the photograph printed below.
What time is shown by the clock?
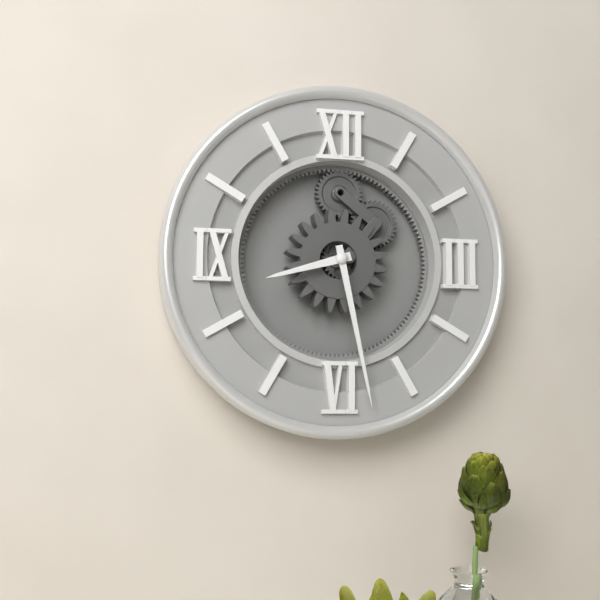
8:28
